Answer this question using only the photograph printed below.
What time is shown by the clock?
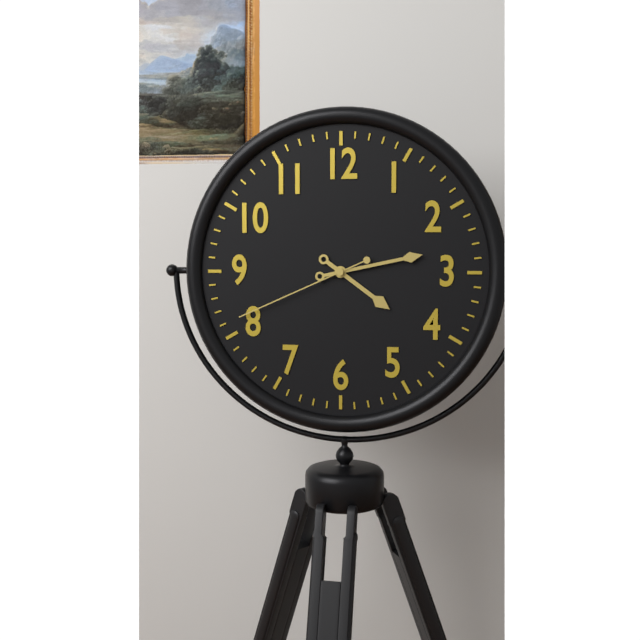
4:13:41
